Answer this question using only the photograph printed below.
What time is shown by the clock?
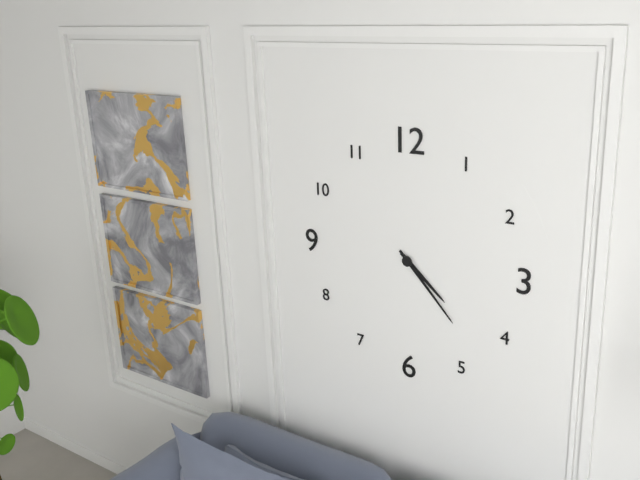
4:23
